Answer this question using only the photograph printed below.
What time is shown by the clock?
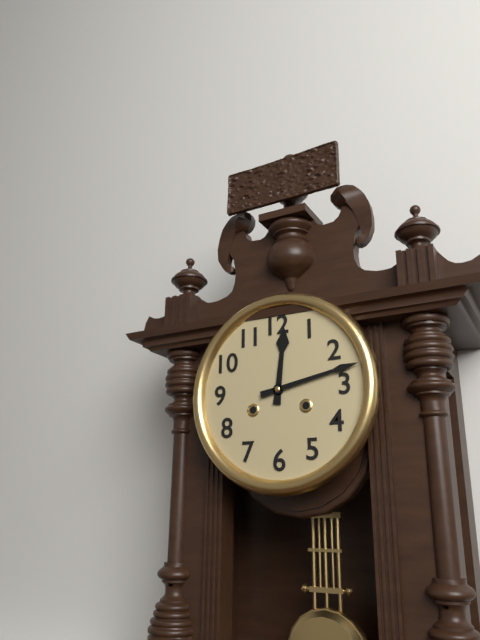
12:13
